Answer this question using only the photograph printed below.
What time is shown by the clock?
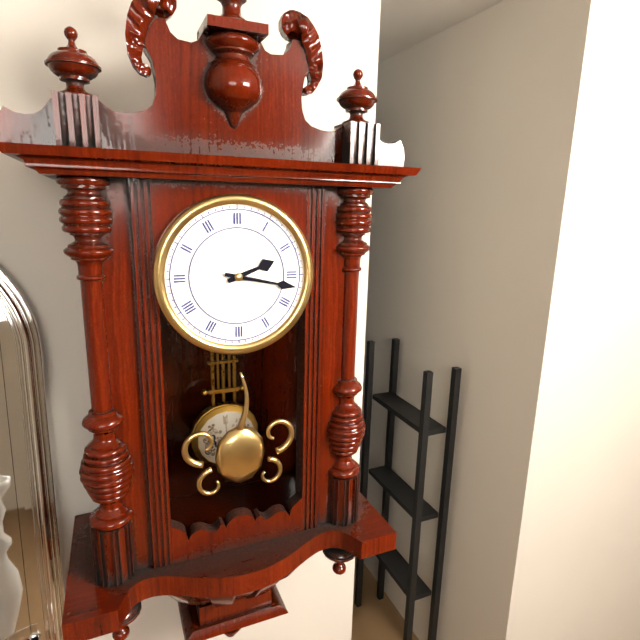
2:17
